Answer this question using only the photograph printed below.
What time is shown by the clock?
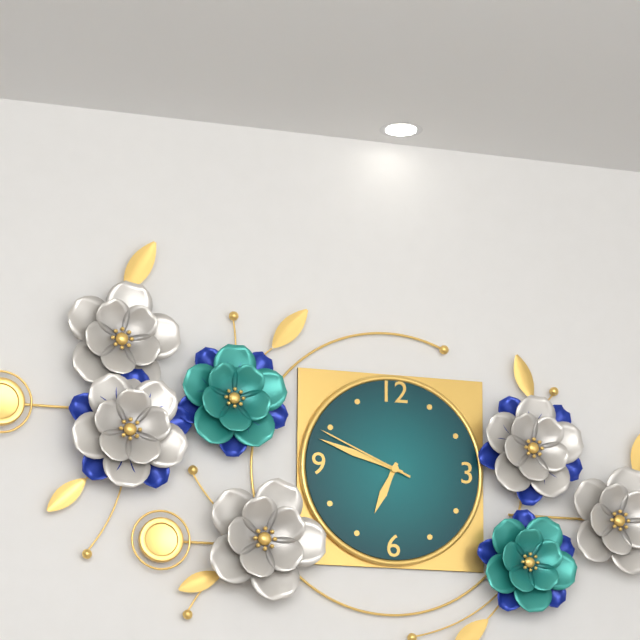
6:48:49
